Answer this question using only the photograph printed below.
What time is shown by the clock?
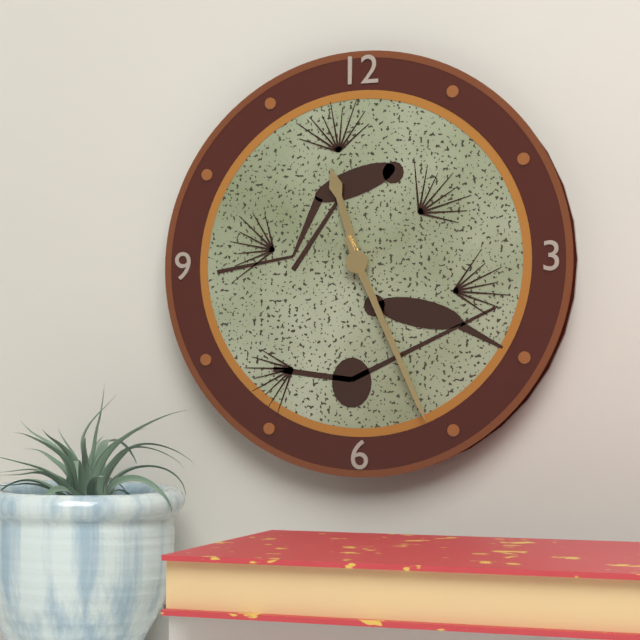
11:26
